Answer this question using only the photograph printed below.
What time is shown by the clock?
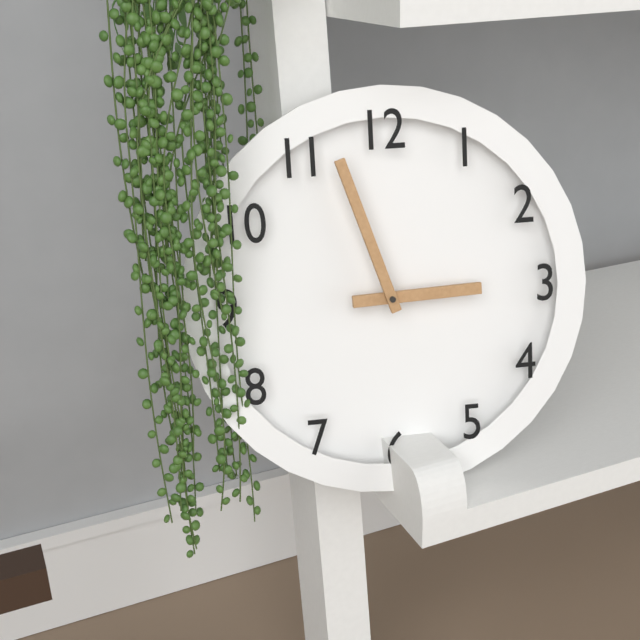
2:57
